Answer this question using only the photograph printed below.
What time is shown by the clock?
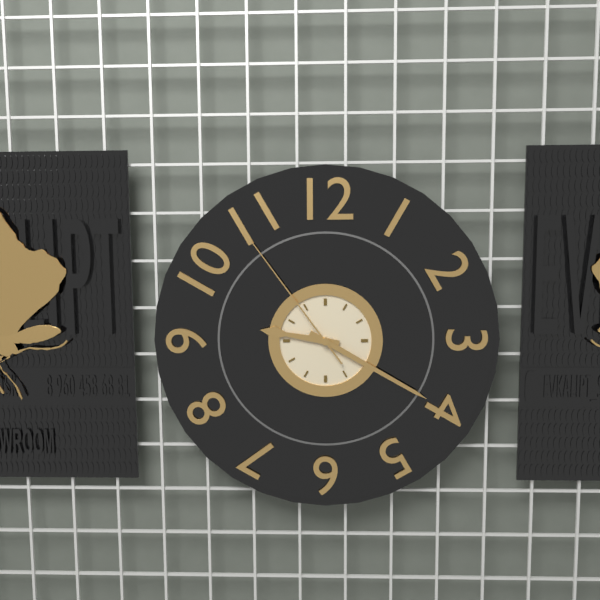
9:20:54
